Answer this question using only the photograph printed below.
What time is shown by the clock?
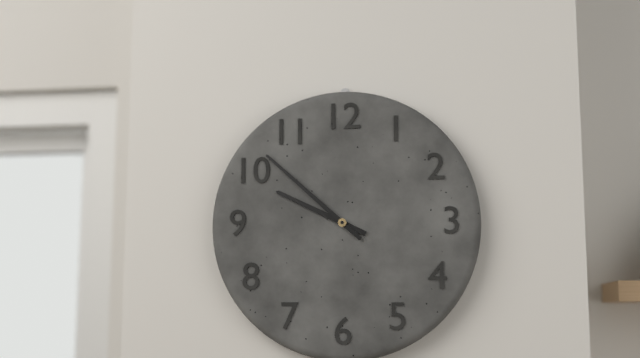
9:52
